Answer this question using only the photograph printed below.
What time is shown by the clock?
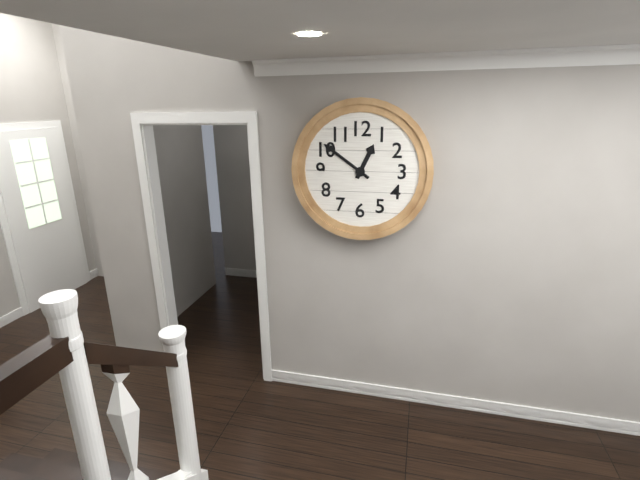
12:51
